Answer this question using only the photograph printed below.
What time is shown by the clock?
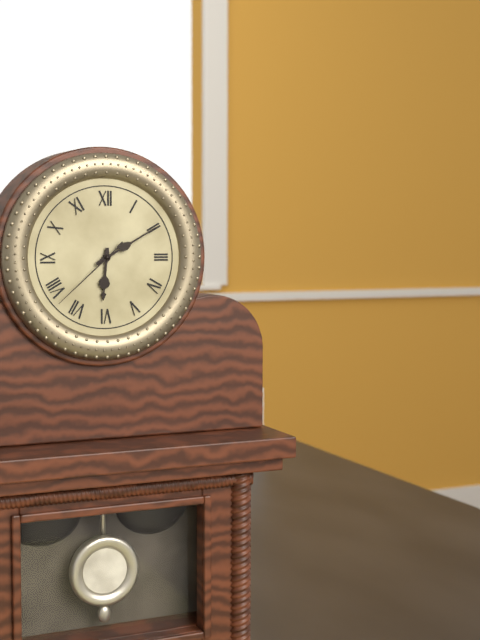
6:10:38
